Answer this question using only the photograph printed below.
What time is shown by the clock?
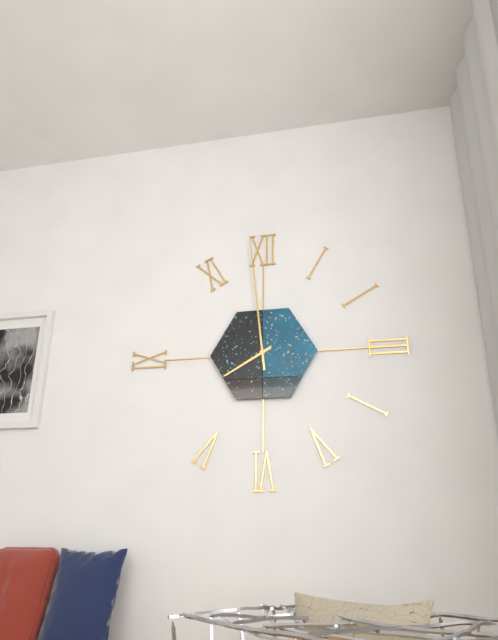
7:59
